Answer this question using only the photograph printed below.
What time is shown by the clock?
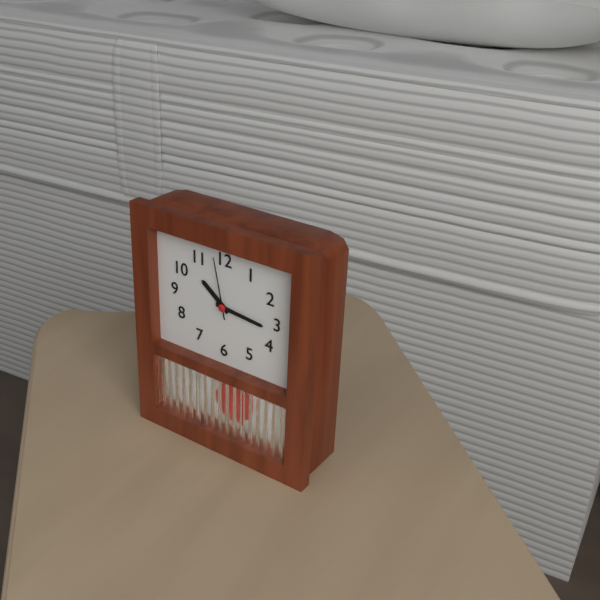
10:16:58
